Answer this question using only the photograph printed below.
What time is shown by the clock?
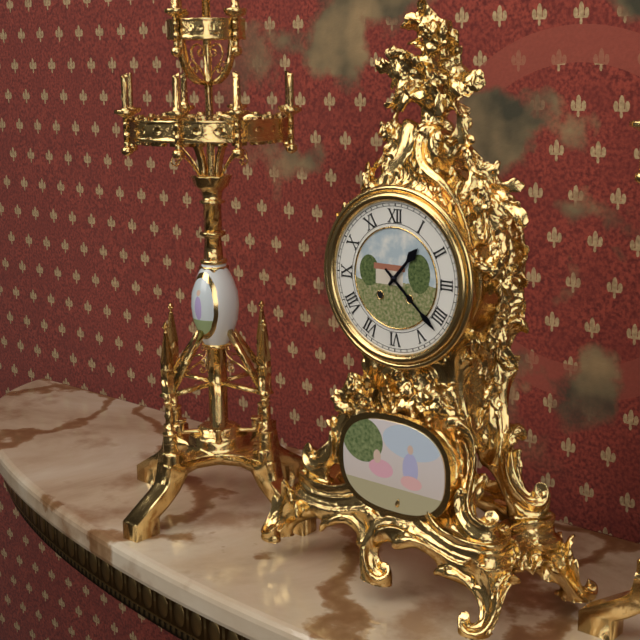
1:22
